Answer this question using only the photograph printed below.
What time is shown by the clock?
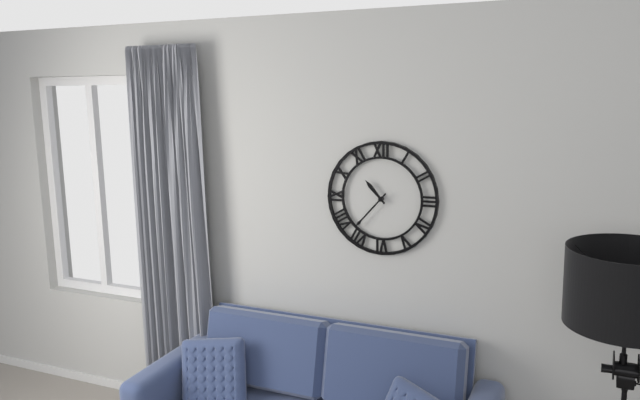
10:37
